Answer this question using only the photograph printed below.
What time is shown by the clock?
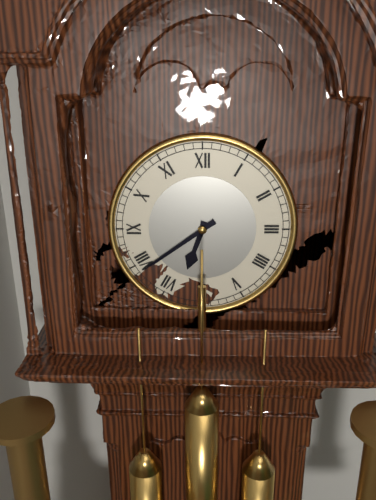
6:39
